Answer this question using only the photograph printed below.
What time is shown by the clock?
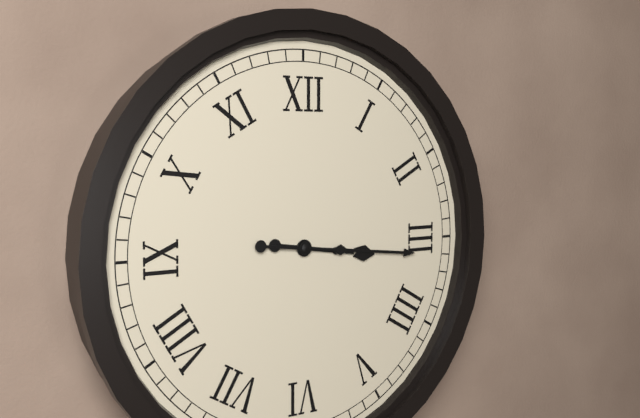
3:16
